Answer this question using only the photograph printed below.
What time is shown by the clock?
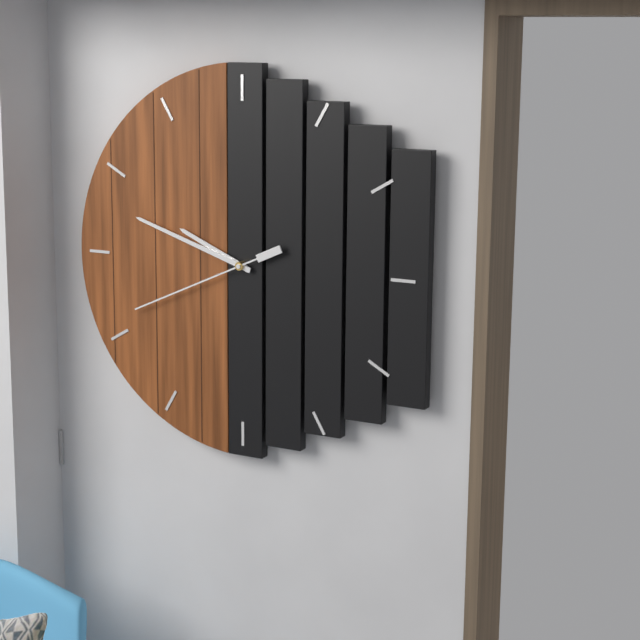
9:48:41
